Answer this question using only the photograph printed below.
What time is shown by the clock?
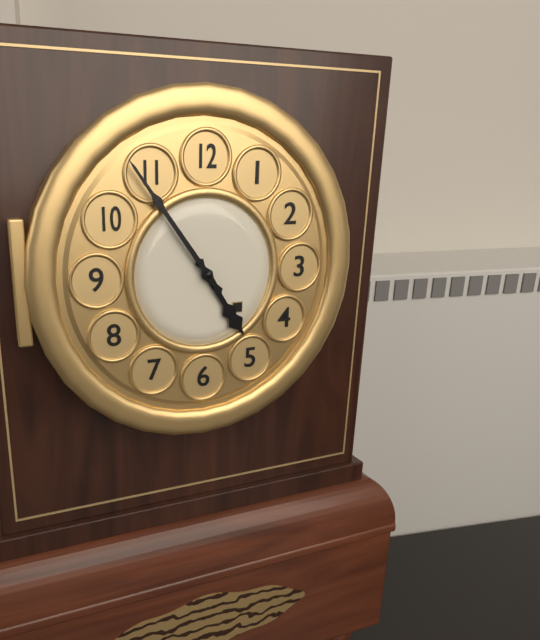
4:54
